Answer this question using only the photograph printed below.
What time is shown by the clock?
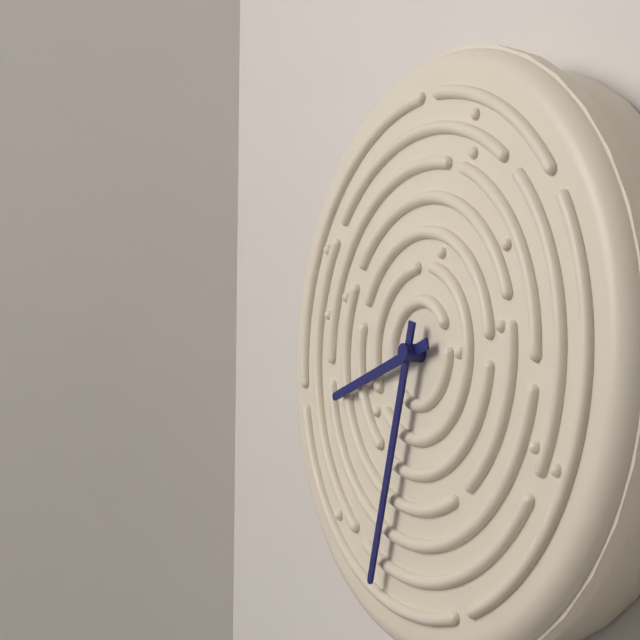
8:33
